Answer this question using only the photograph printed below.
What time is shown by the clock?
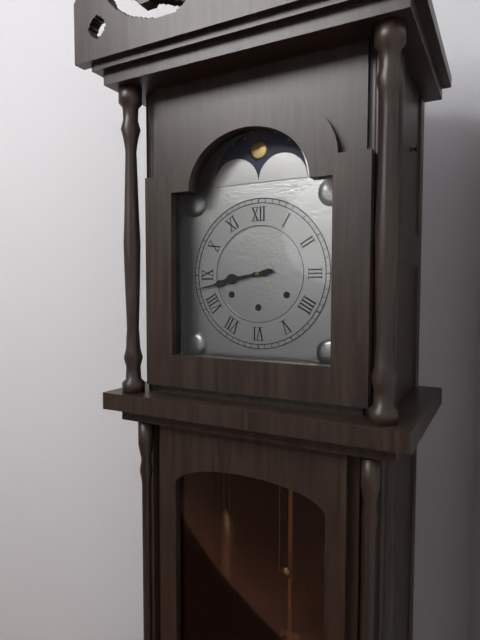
8:43
